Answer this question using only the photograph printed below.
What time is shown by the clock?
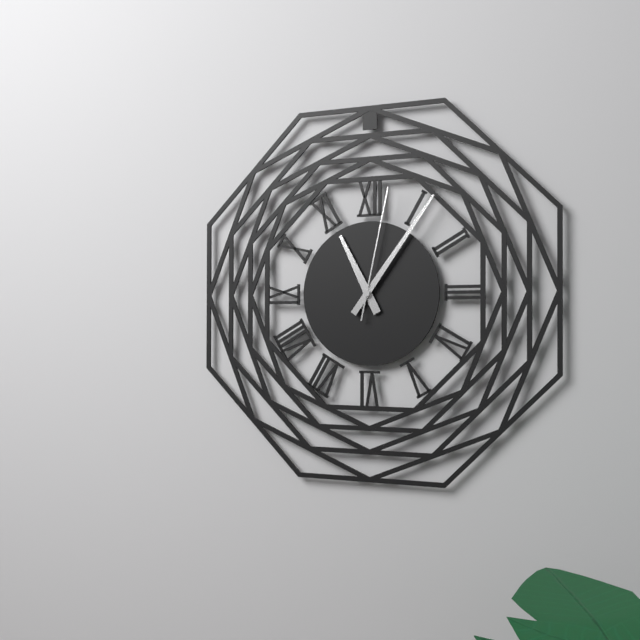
11:06:02
